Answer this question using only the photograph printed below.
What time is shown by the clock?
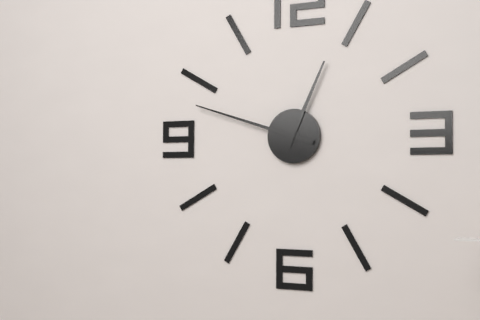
12:48
